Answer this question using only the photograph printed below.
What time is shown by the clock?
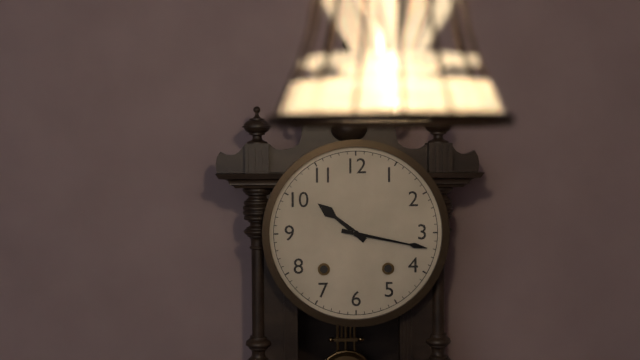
10:17
